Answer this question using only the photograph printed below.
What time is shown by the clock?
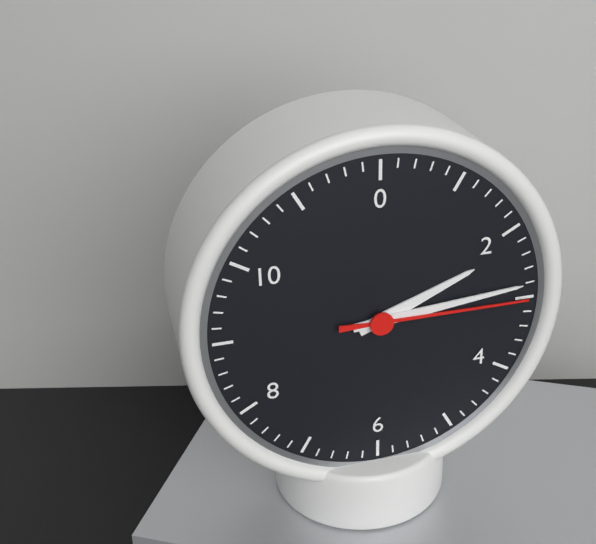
2:14:15
